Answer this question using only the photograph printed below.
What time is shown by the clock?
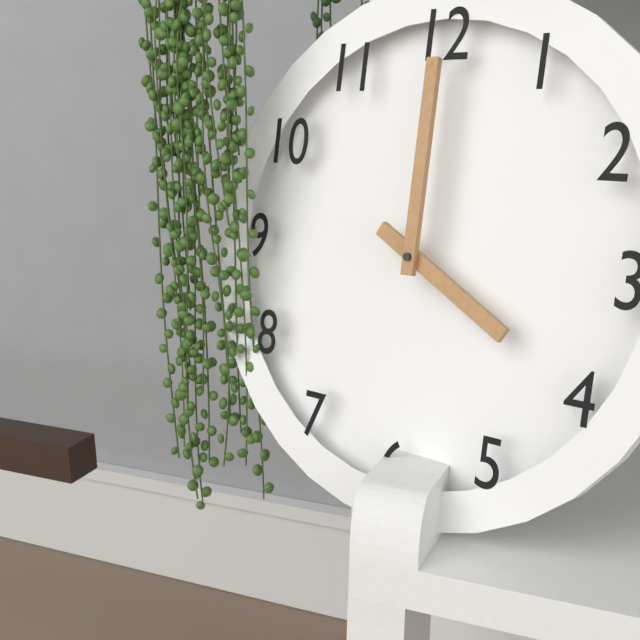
4:00
